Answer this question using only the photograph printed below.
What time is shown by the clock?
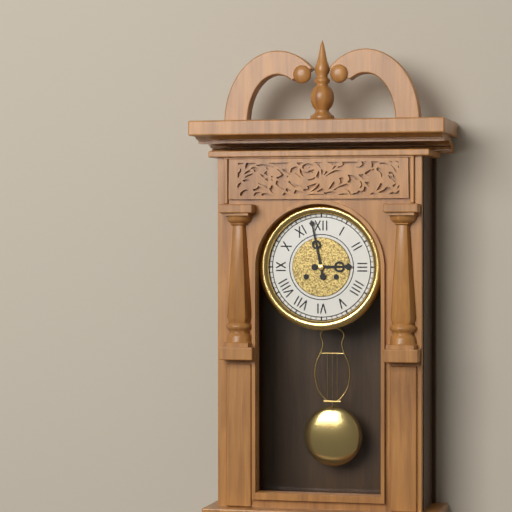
2:58
